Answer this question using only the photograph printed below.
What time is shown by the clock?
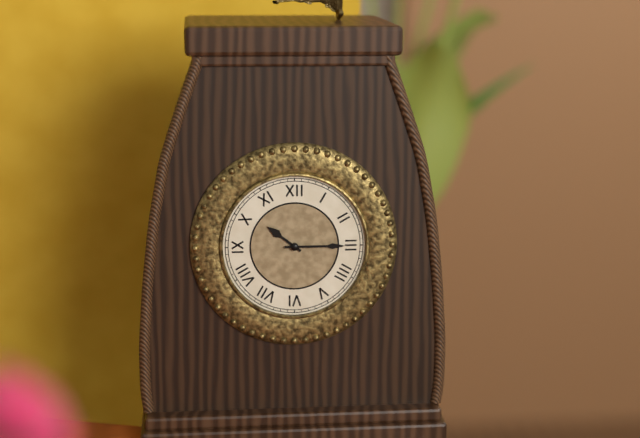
10:15
